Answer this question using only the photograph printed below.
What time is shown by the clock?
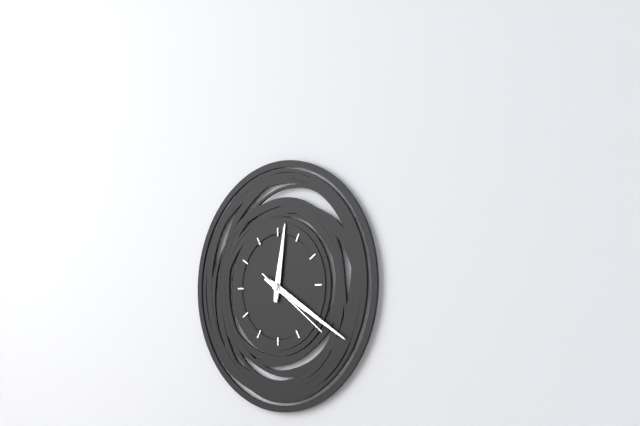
12:20:21
